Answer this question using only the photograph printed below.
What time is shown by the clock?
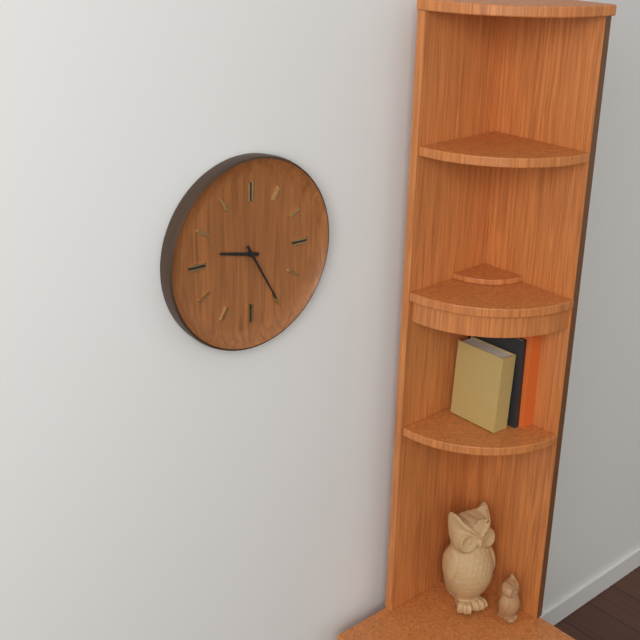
9:25
